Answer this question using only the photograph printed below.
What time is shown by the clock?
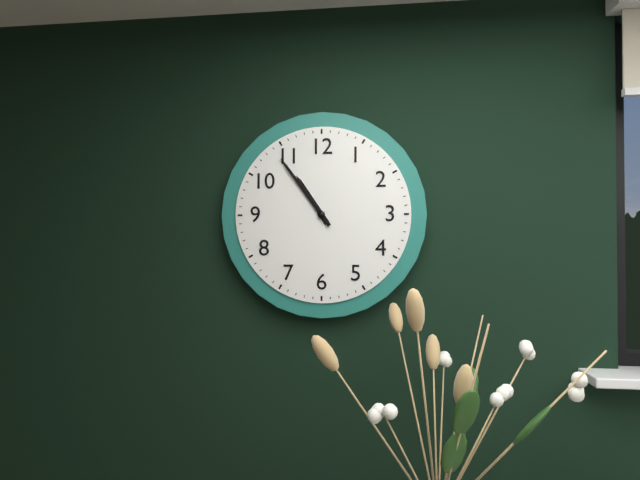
10:54
